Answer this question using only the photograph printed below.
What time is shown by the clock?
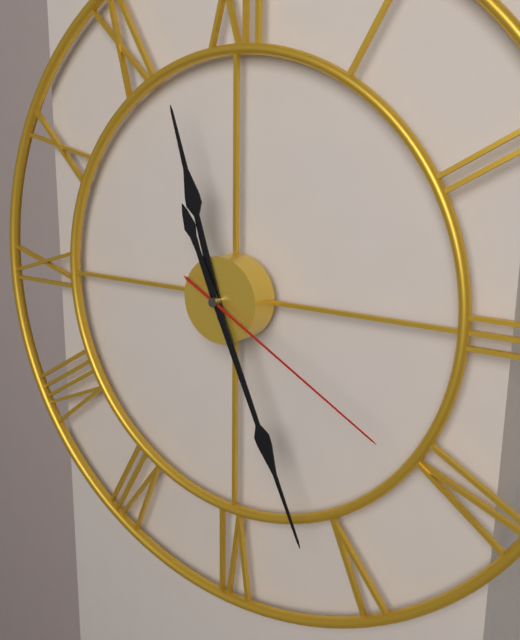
11:26:20
